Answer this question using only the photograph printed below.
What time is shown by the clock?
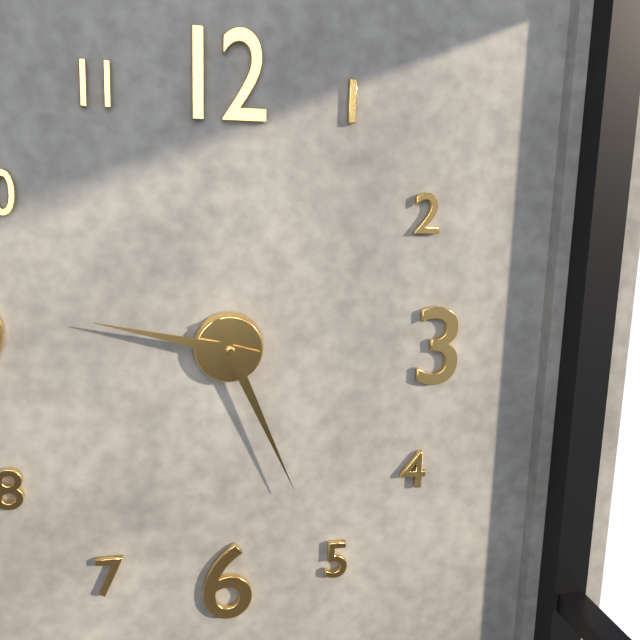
9:26
